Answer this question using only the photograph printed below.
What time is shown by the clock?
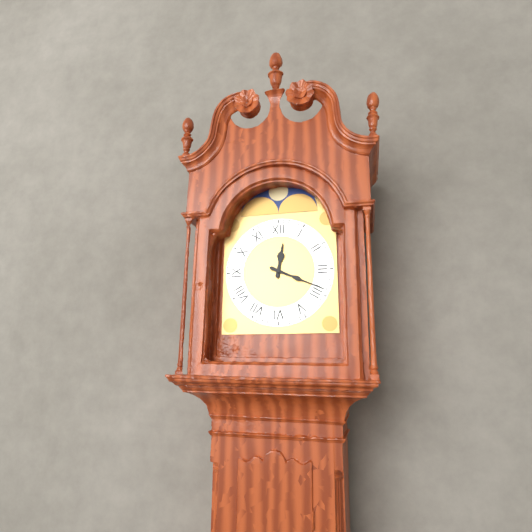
12:19
